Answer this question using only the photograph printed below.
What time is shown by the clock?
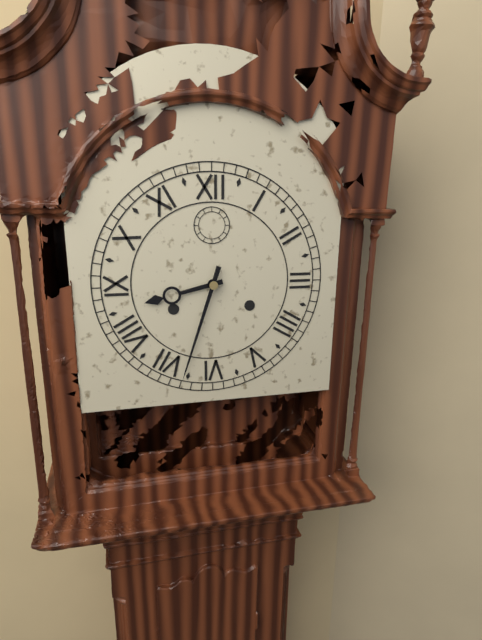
8:33
